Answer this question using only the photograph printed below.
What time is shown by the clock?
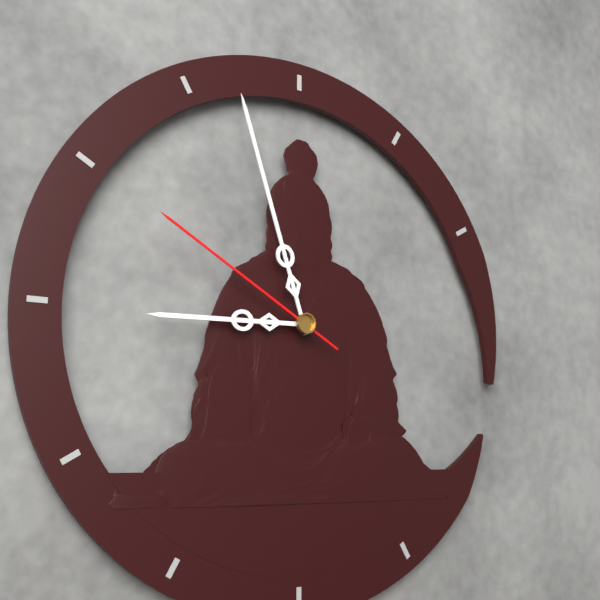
8:57:50
